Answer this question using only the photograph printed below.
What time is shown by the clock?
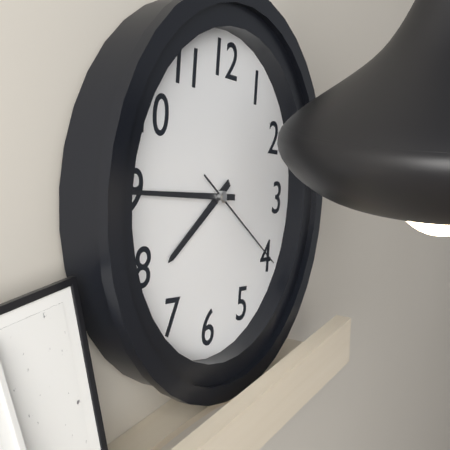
7:45:20
